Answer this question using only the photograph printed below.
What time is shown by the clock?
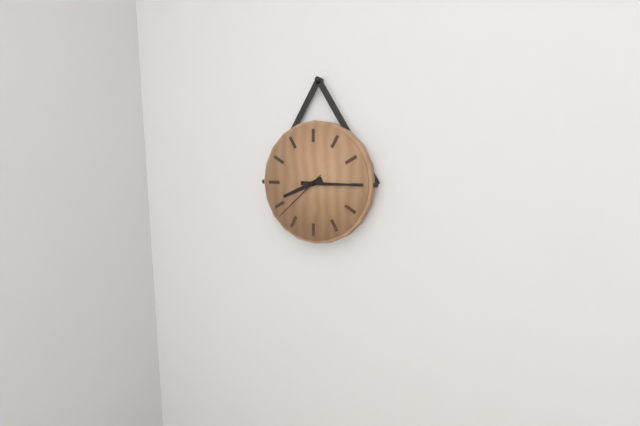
8:15:38
